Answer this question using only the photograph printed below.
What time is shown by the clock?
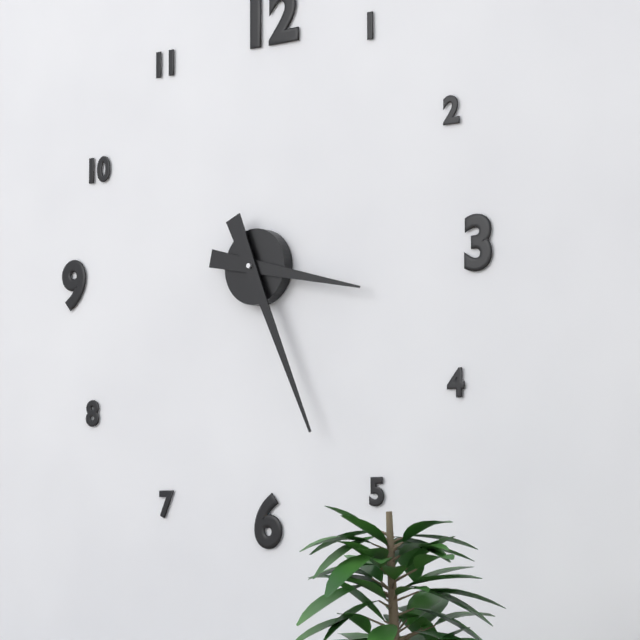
3:26
